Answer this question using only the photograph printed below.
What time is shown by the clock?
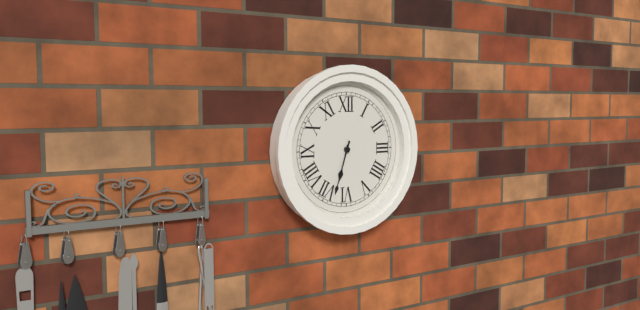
6:33
